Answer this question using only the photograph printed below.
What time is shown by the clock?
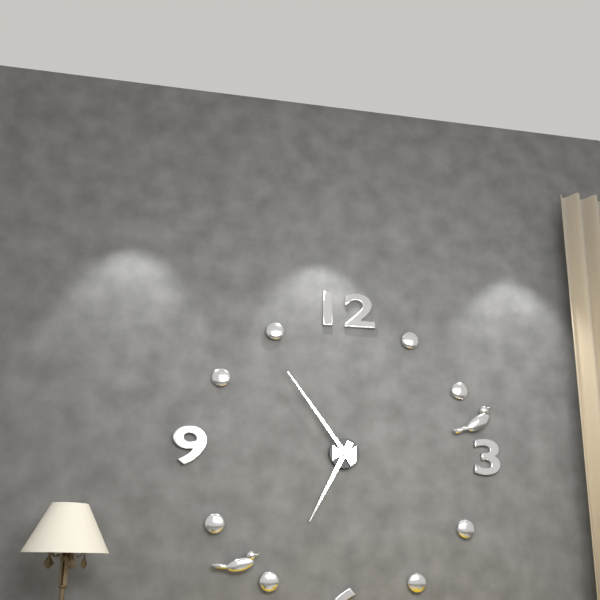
6:54
